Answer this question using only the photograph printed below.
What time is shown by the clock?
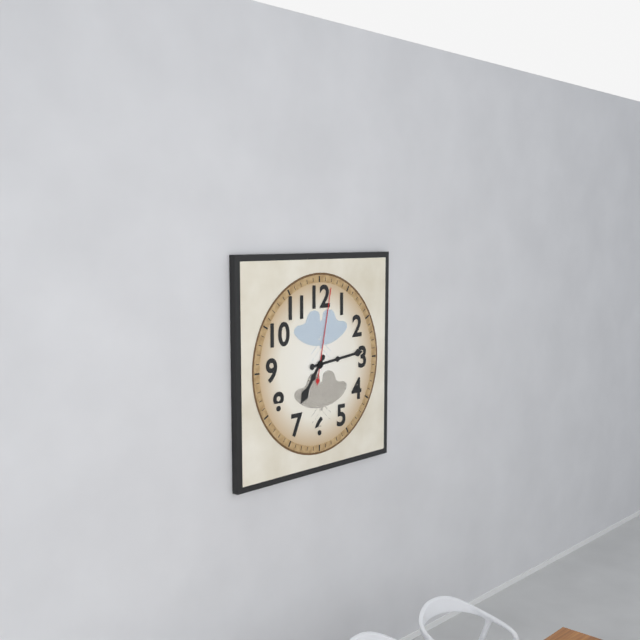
7:14:02
